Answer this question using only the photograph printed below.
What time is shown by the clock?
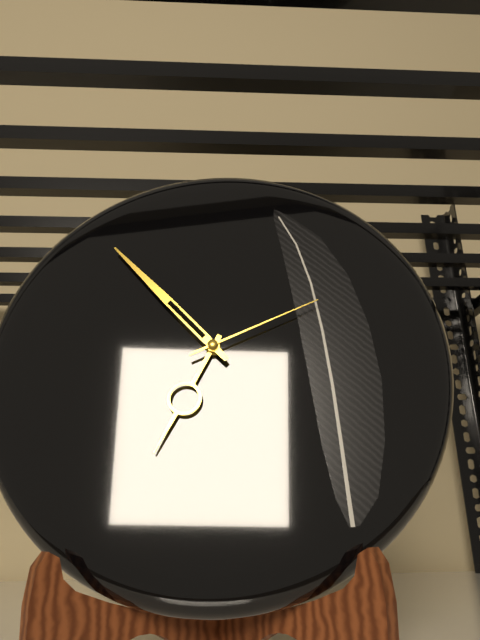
6:53:11
